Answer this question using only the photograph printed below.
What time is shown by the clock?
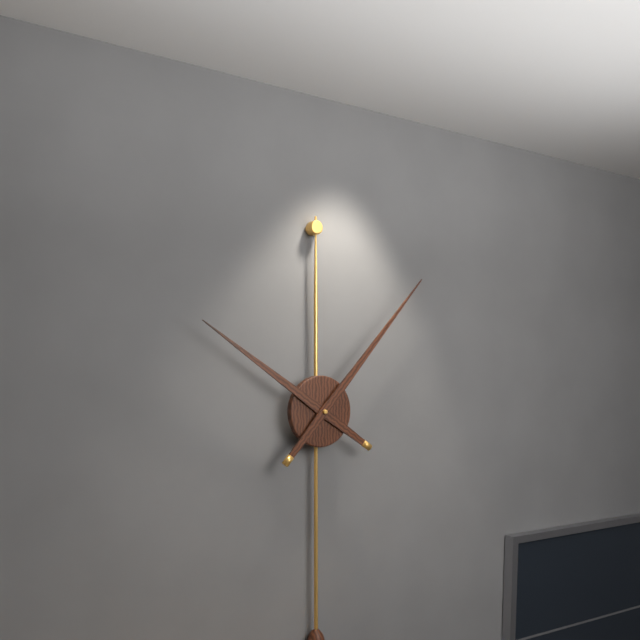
10:07
